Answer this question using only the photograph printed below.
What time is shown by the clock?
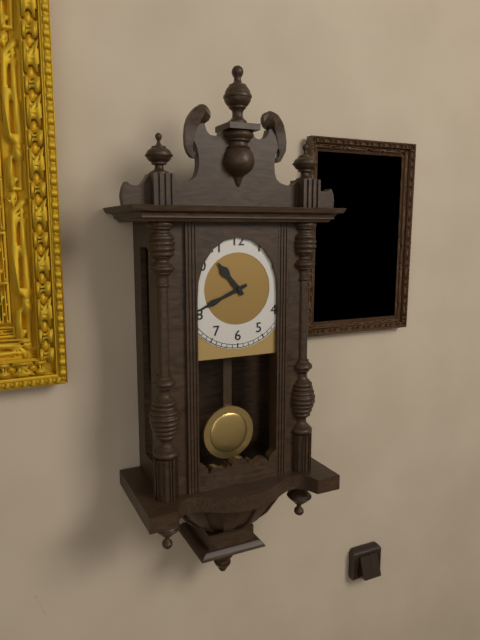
10:41
